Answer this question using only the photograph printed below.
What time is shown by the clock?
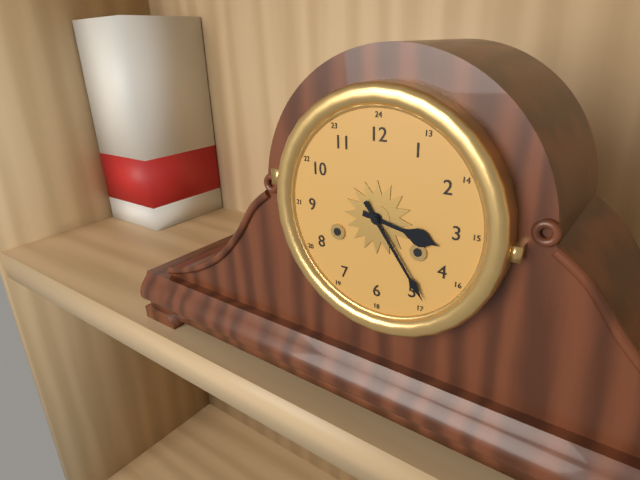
3:24
